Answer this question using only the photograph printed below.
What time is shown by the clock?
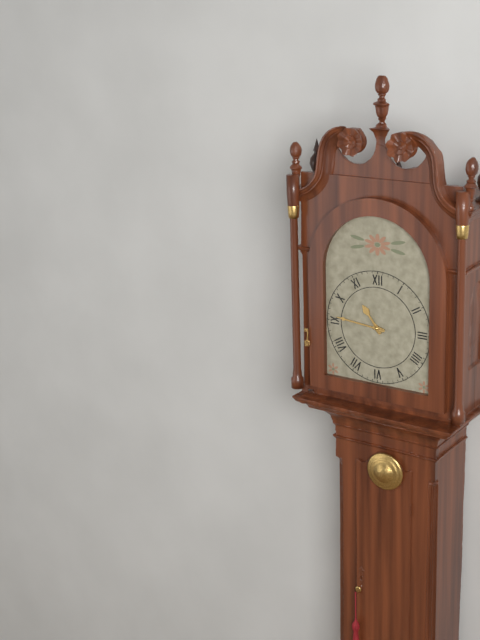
10:46
